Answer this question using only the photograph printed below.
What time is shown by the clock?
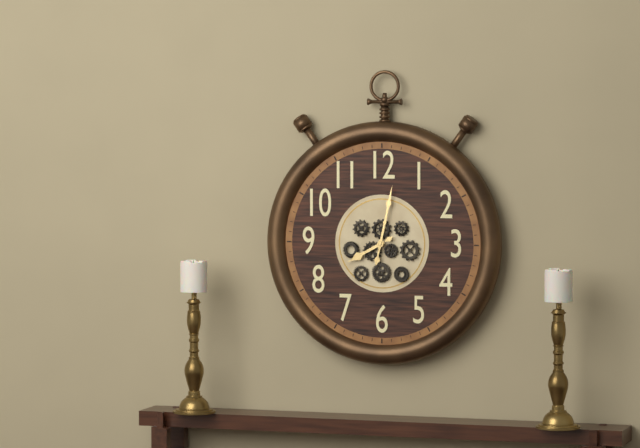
8:02
